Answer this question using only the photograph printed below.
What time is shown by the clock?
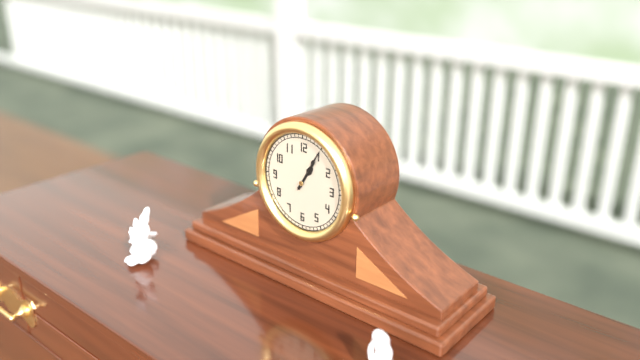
1:05
